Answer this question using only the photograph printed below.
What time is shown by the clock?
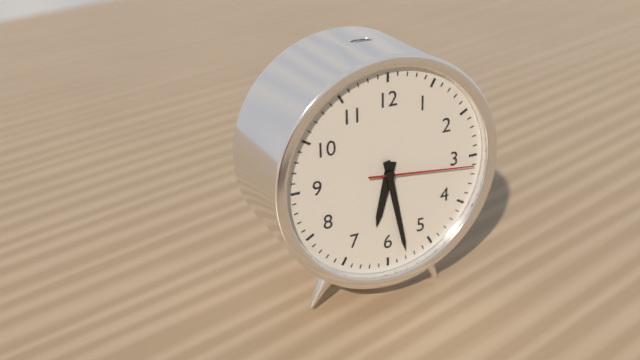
6:28:16
